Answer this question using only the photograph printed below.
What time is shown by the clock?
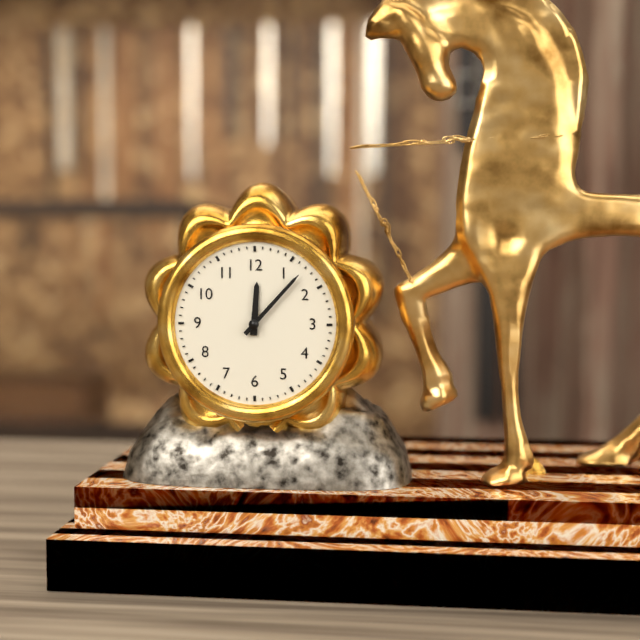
12:07
